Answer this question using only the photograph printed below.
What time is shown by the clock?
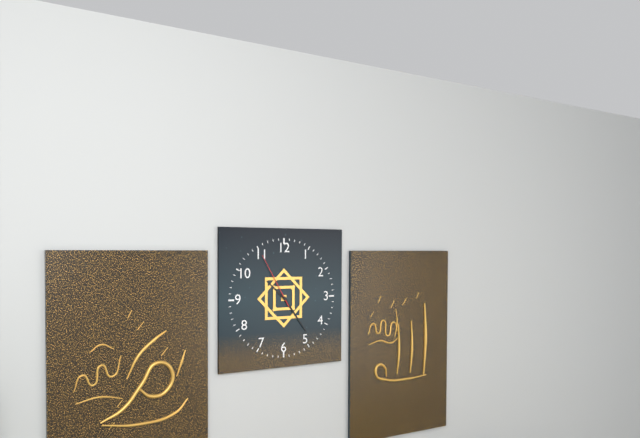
10:24:55
